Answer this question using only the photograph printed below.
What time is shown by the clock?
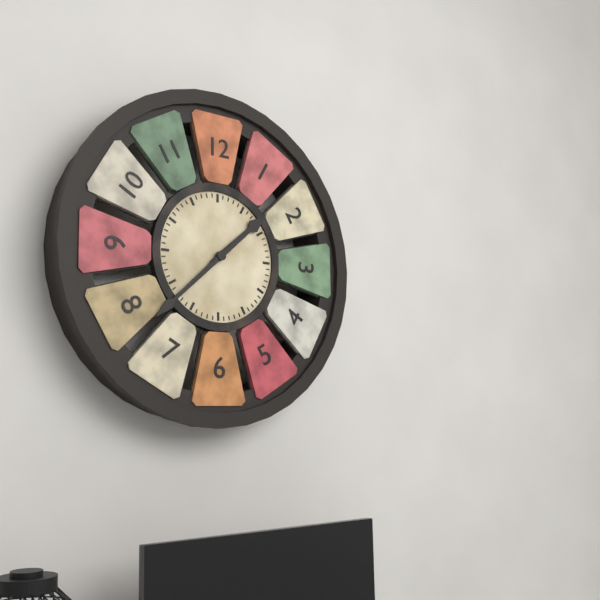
1:38
